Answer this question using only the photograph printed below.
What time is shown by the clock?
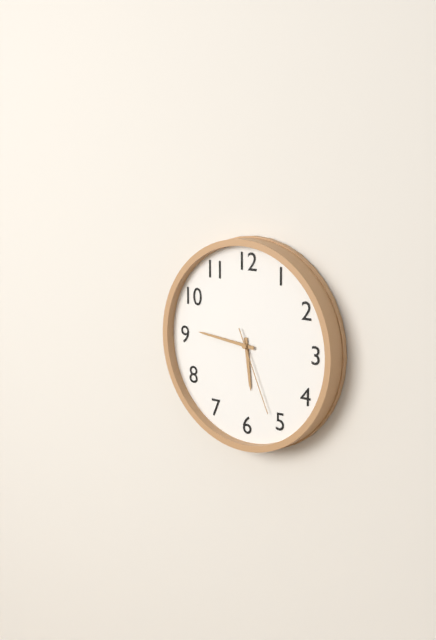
5:46:26
